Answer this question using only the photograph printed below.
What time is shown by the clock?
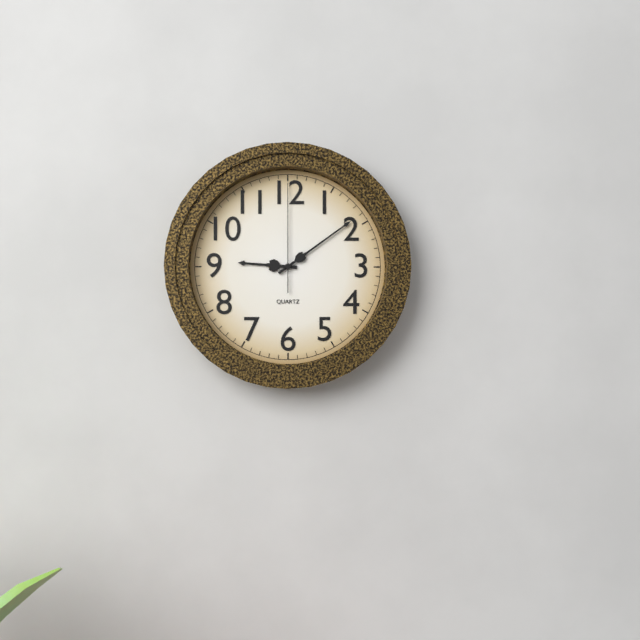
9:09:00
